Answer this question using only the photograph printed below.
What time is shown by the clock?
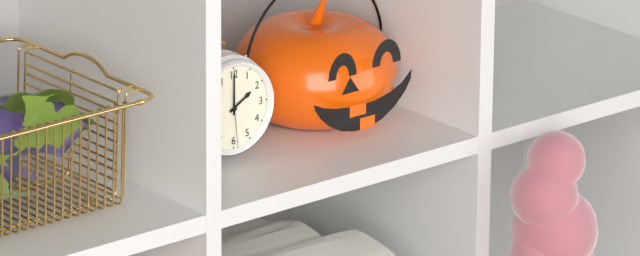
2:00
